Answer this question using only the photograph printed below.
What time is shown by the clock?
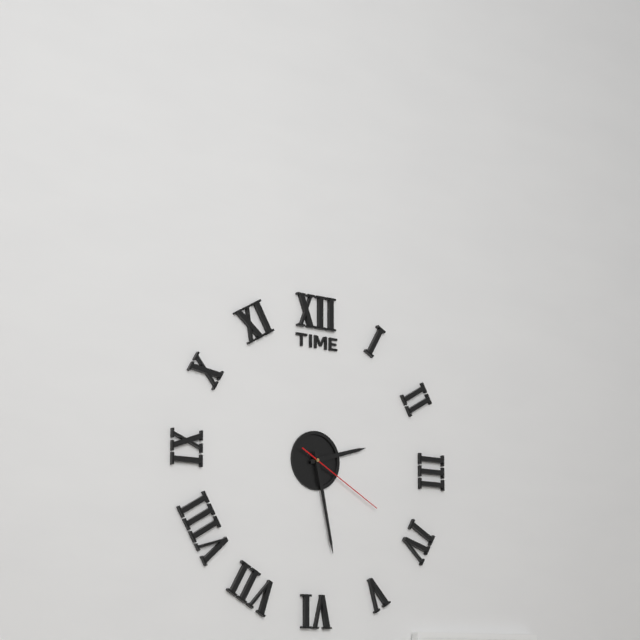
2:28:20
